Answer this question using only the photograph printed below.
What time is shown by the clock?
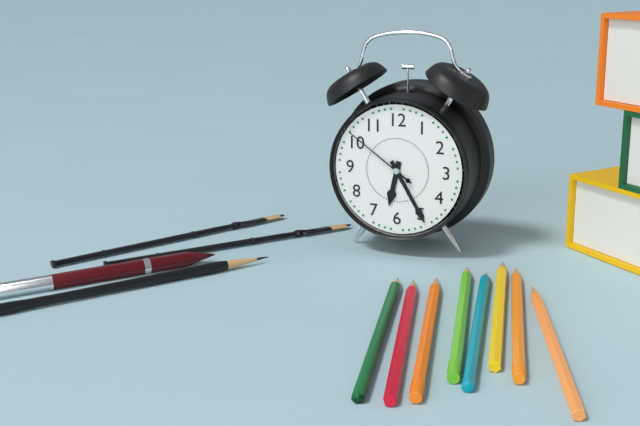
6:25:51
